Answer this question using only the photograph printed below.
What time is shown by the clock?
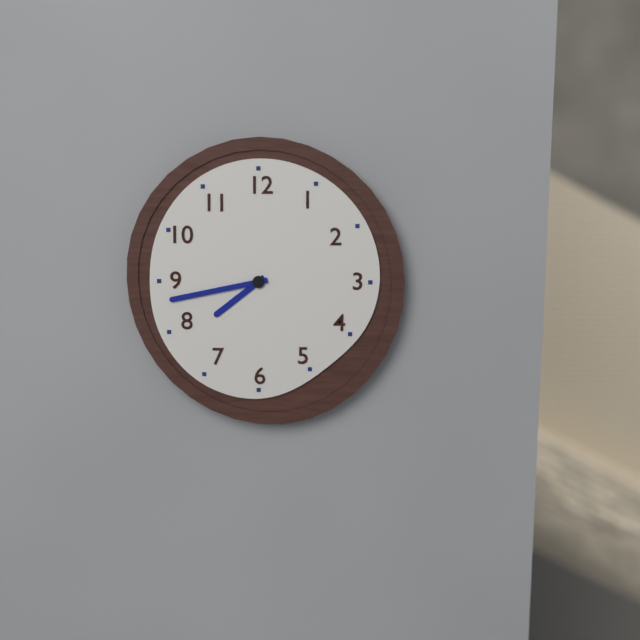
7:43
